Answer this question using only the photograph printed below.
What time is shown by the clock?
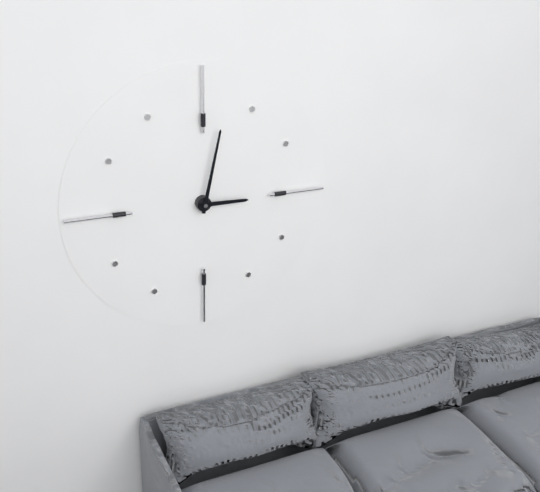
3:02
